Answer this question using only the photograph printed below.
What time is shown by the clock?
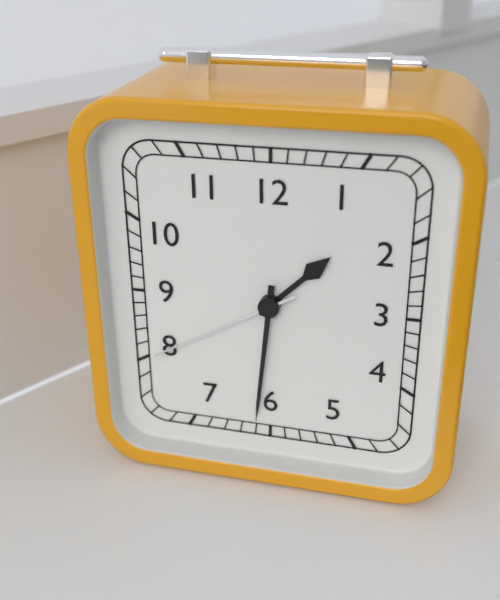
1:31:40
